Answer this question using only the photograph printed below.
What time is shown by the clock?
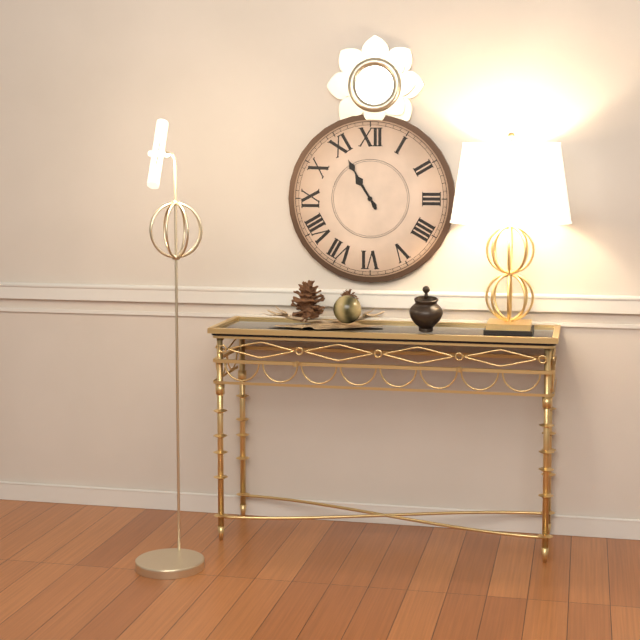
10:55
